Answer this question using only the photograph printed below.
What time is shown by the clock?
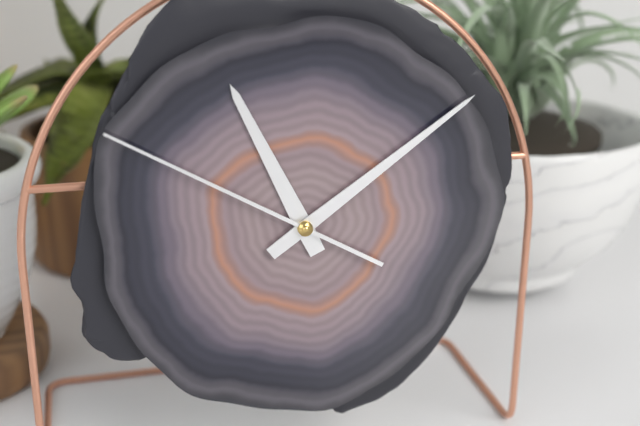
11:09:50
